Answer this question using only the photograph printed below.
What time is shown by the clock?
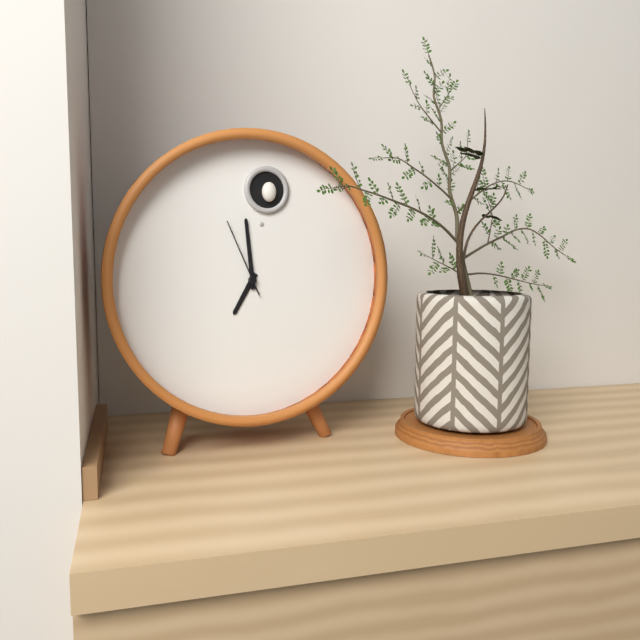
6:59:56
